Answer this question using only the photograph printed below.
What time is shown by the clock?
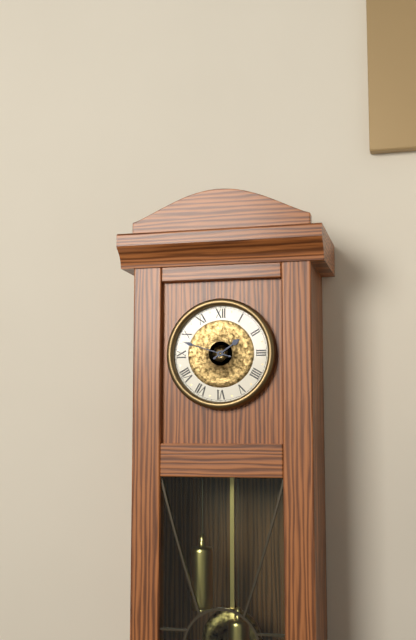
1:48
